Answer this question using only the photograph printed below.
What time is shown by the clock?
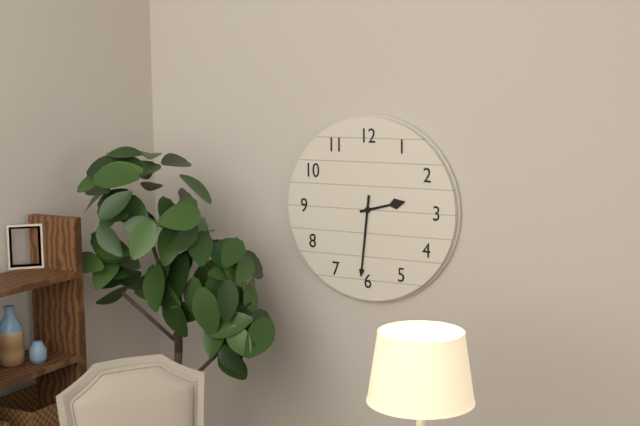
2:31
